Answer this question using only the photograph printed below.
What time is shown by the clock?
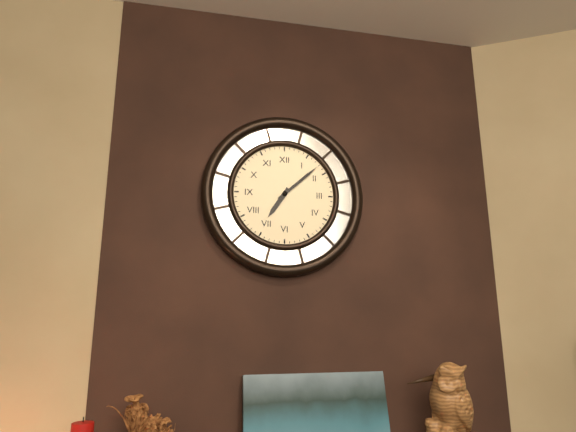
7:08
